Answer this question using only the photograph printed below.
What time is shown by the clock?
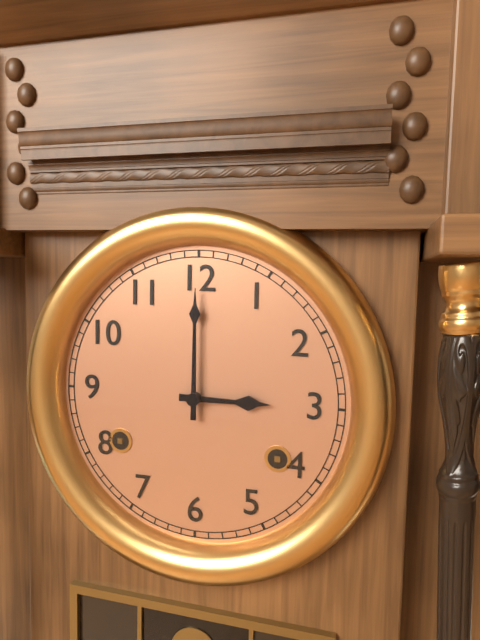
3:00
